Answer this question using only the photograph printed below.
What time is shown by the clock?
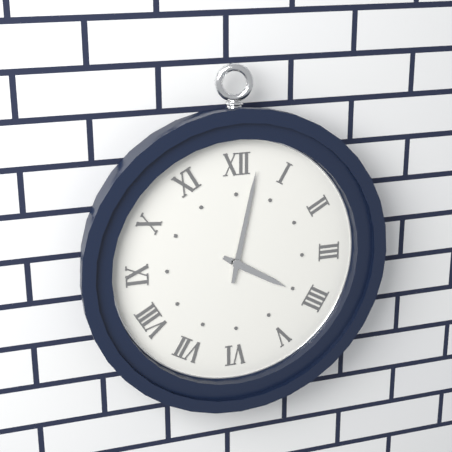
4:02
